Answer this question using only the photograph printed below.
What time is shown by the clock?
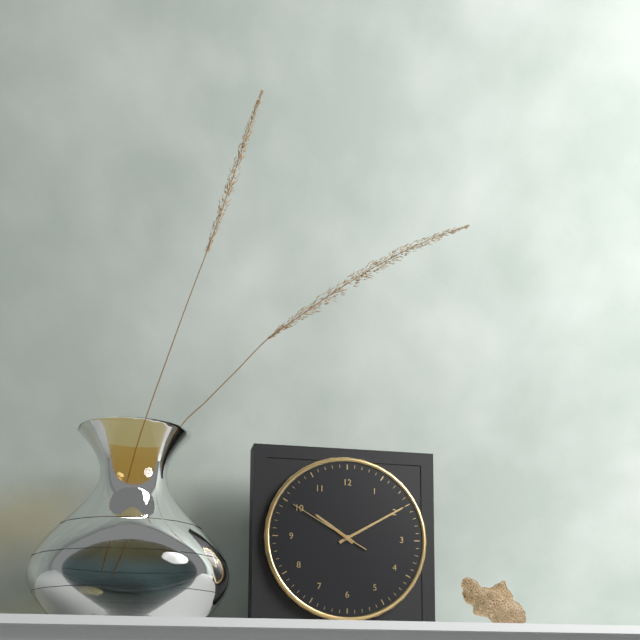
10:10:50
